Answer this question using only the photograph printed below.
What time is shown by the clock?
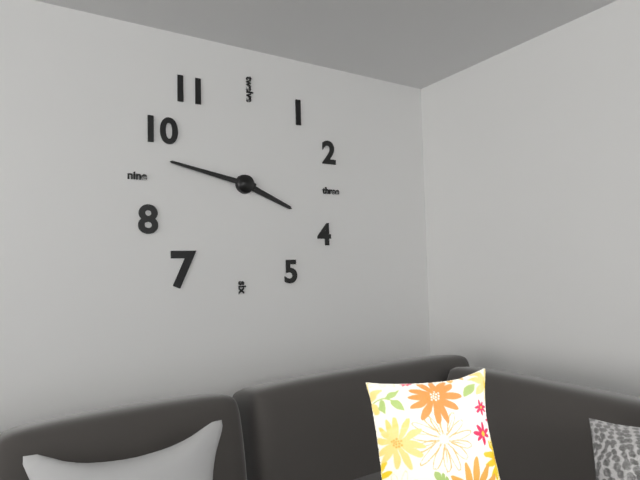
3:47
